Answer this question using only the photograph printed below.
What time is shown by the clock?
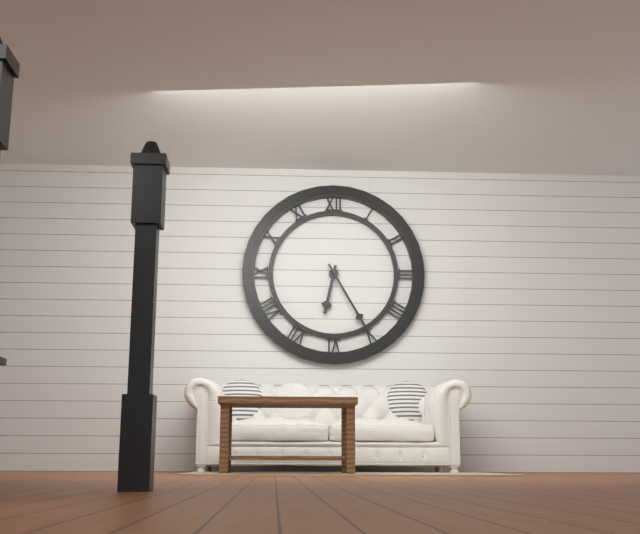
6:25
